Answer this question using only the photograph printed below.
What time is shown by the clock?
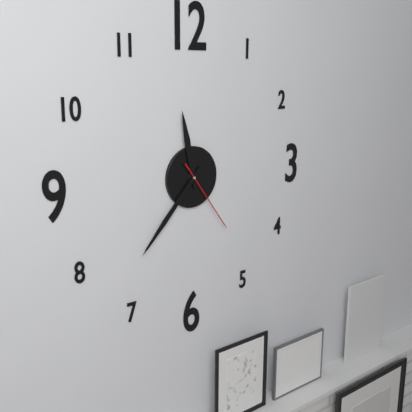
11:37:24
